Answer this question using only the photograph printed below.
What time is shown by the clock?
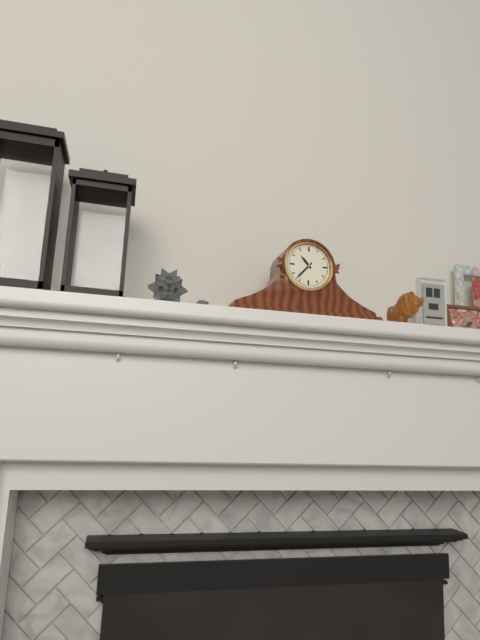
10:37
